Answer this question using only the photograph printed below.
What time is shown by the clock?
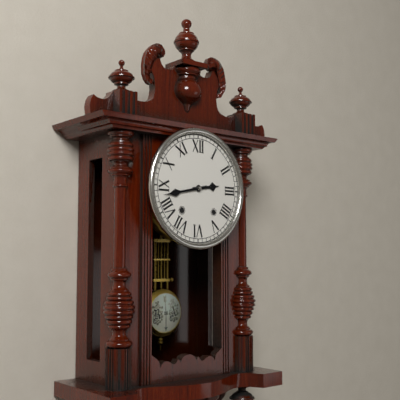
2:43
